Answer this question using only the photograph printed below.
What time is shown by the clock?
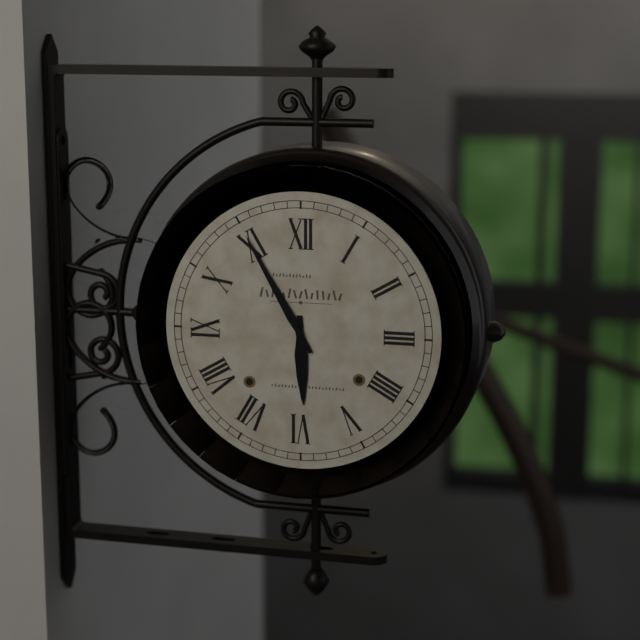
5:55
